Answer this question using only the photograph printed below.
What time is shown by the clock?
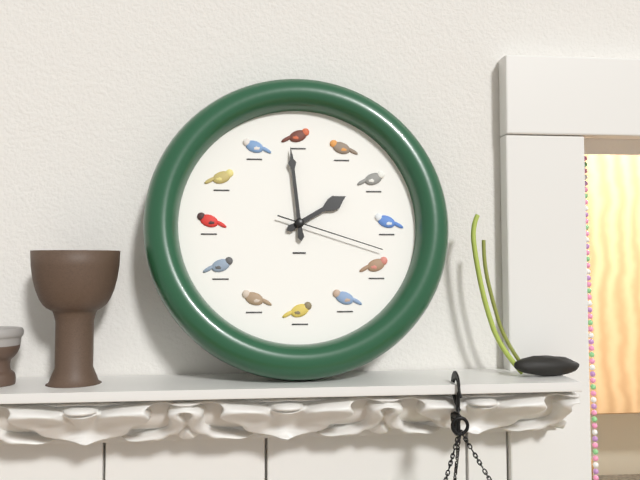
1:59:18
